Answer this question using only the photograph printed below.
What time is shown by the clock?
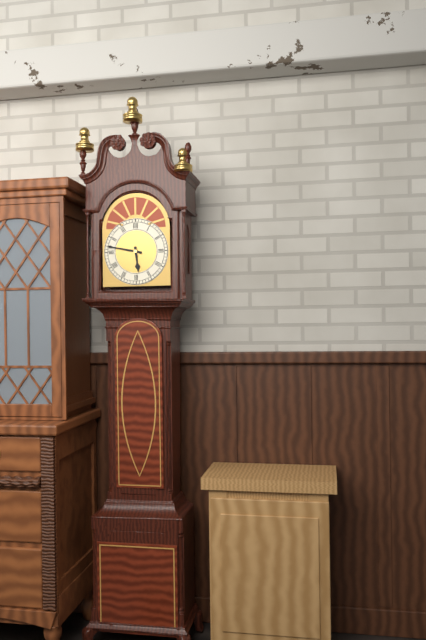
5:47
